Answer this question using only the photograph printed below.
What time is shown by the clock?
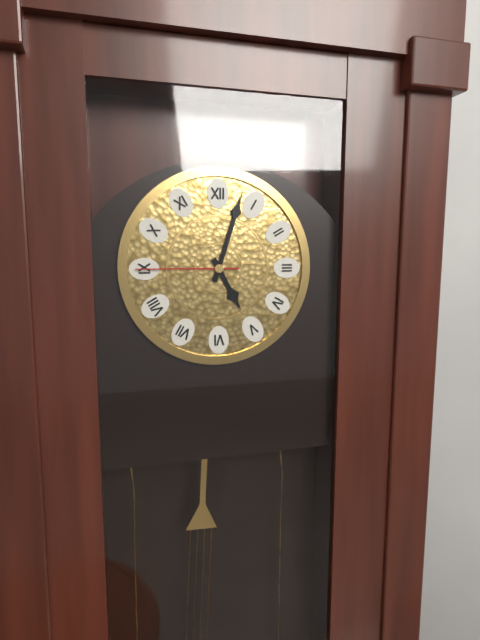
5:03:45
